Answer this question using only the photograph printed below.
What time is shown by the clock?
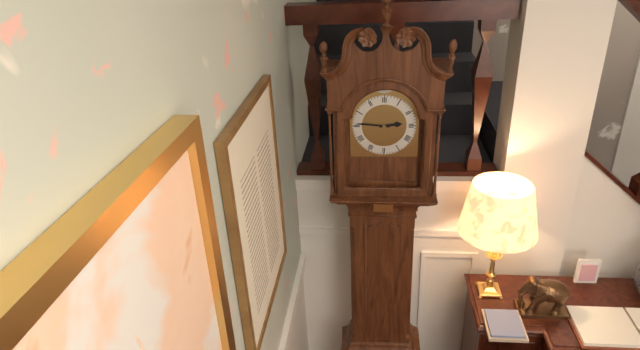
2:46
